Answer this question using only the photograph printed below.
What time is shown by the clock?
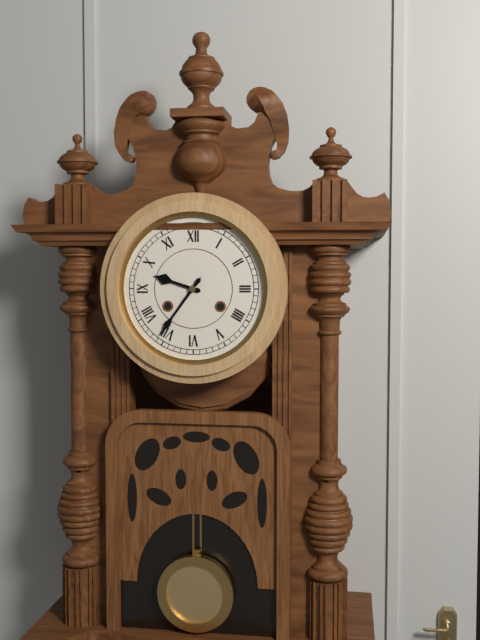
9:36
